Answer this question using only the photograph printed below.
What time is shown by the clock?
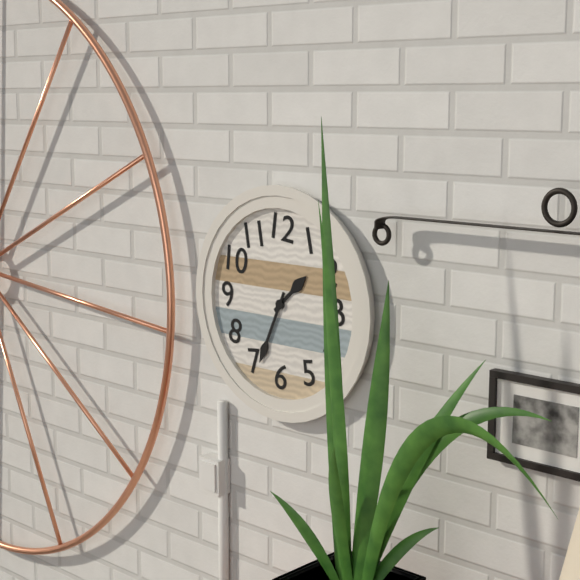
1:34
